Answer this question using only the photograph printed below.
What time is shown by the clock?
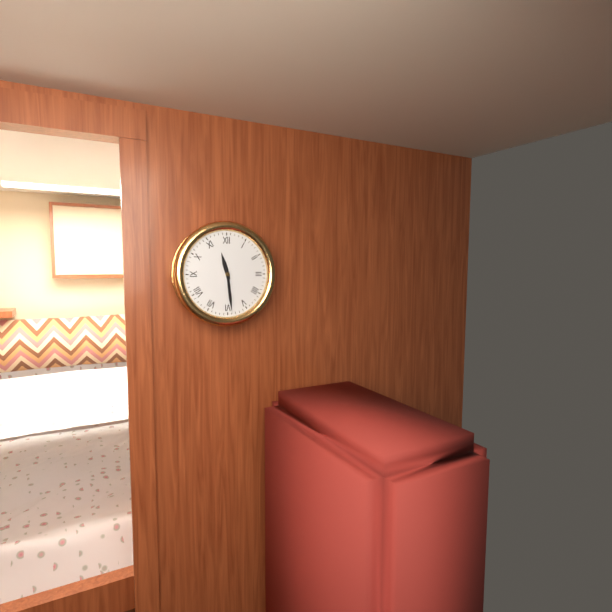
11:29
